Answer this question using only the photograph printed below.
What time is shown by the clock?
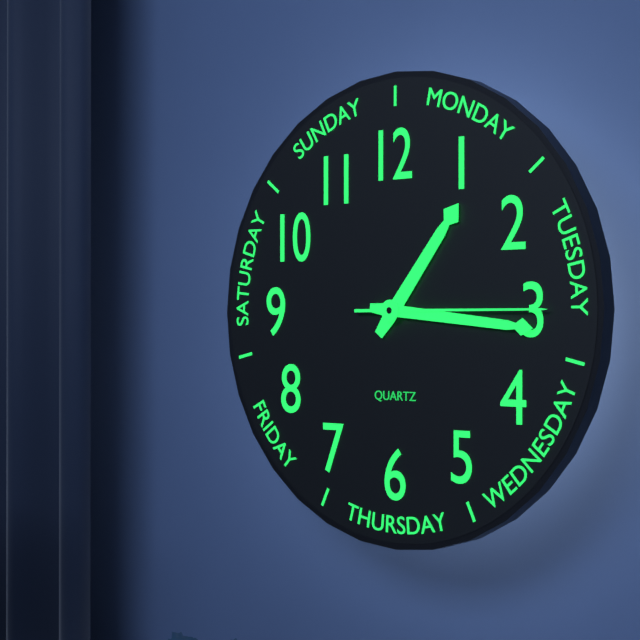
1:16:15
